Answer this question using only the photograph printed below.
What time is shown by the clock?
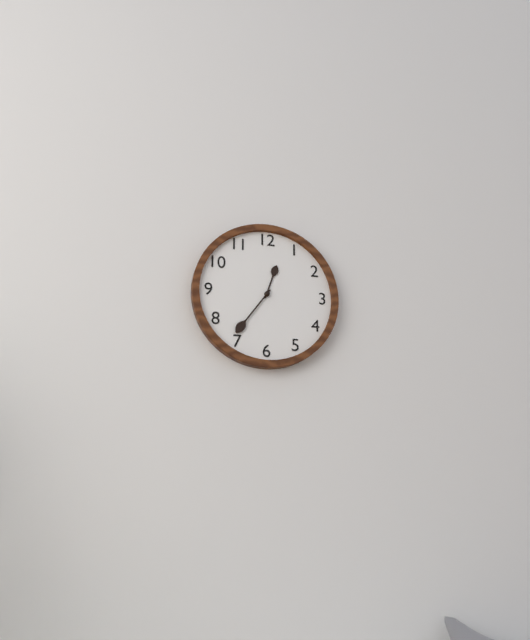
12:36
